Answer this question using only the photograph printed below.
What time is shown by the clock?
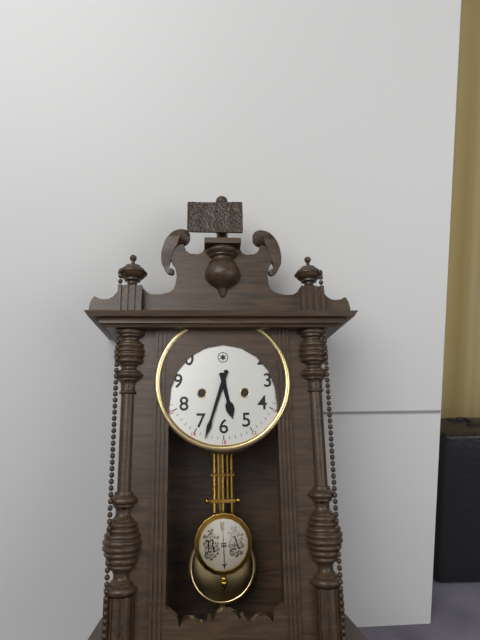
5:33
